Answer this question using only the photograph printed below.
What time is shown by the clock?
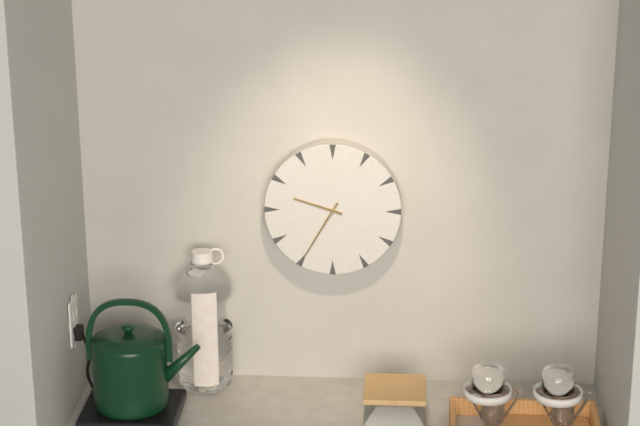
9:35
